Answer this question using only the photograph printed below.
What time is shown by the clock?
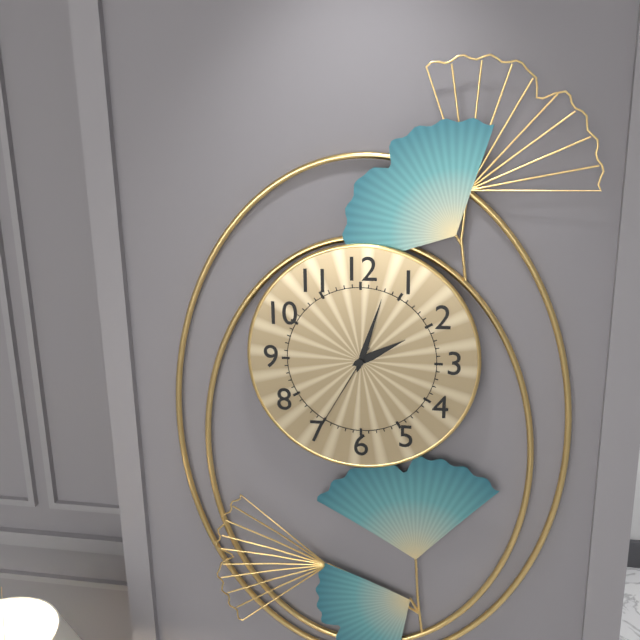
2:03:35
